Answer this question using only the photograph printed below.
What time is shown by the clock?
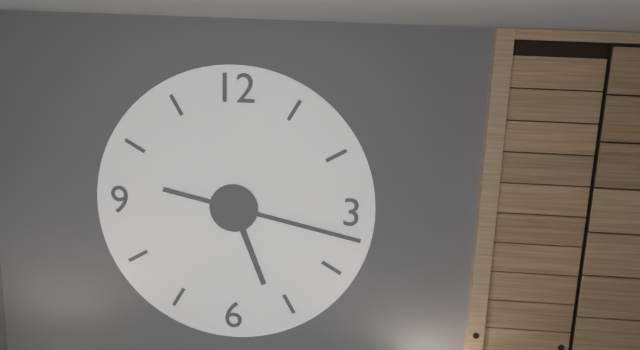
5:17
